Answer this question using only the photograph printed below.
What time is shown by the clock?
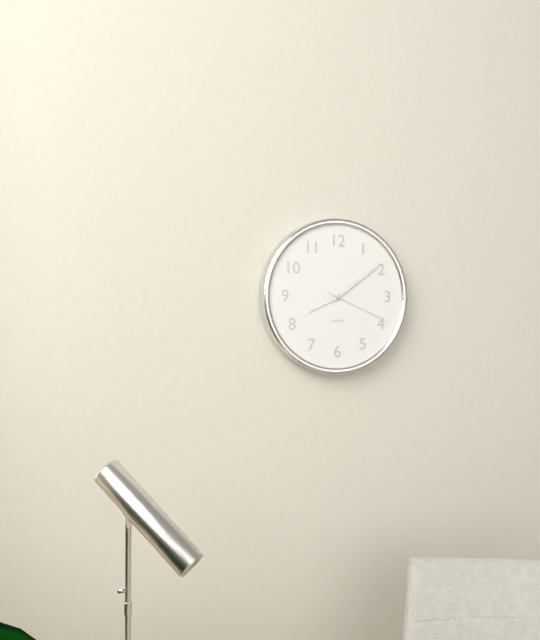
8:09:19
